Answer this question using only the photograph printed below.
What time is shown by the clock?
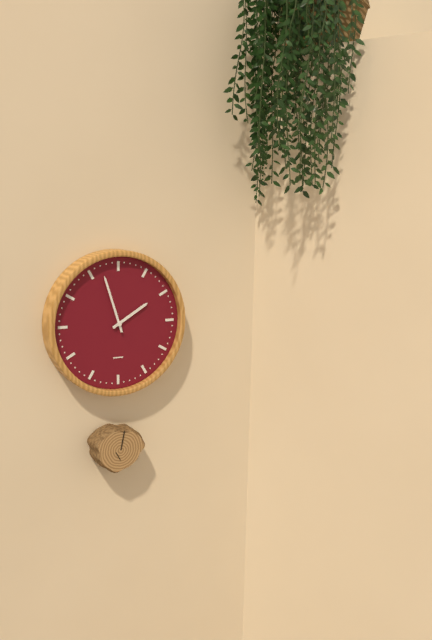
1:57
